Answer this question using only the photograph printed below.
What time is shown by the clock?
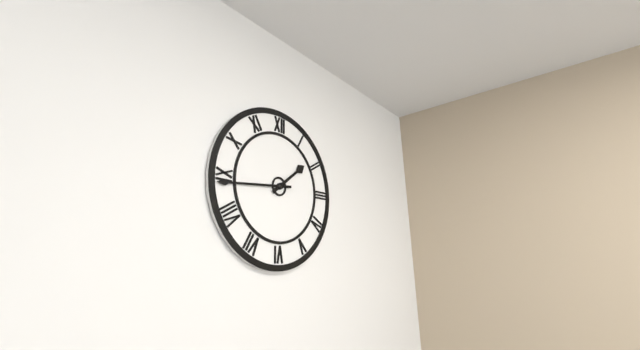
1:44
